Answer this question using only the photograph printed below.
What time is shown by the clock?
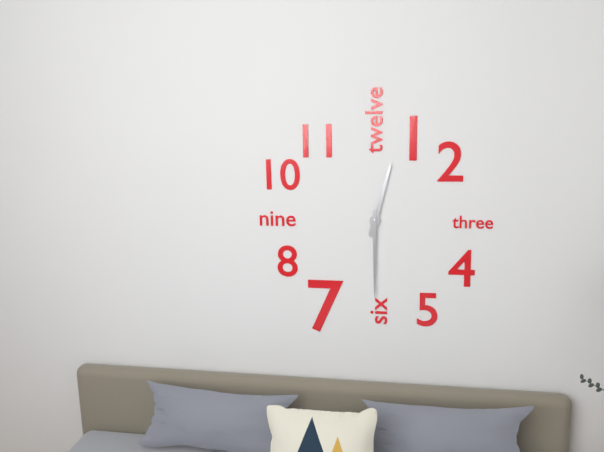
12:30
